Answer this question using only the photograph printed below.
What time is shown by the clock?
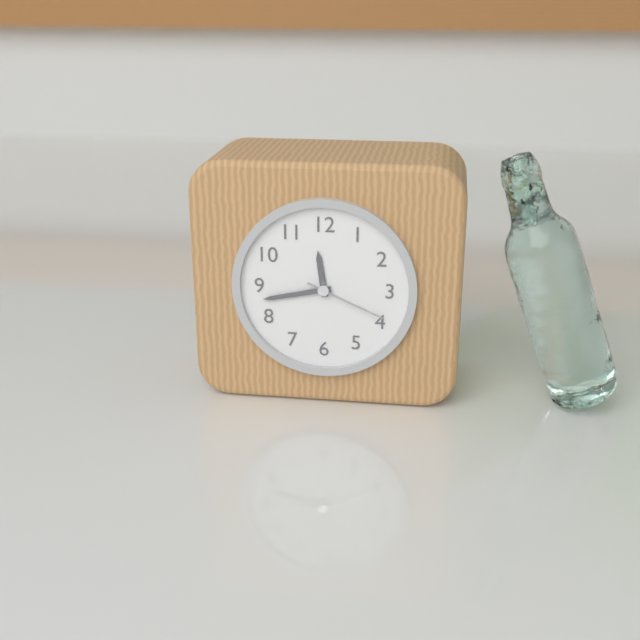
11:43:19
